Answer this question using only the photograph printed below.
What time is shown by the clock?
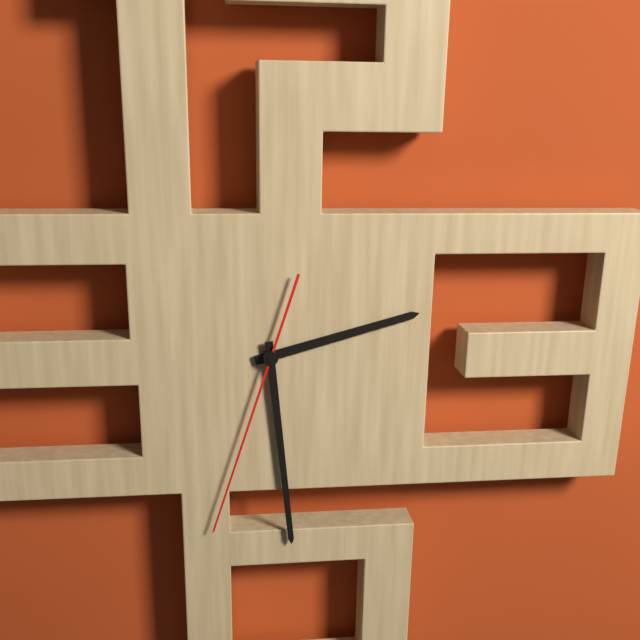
2:29:33
